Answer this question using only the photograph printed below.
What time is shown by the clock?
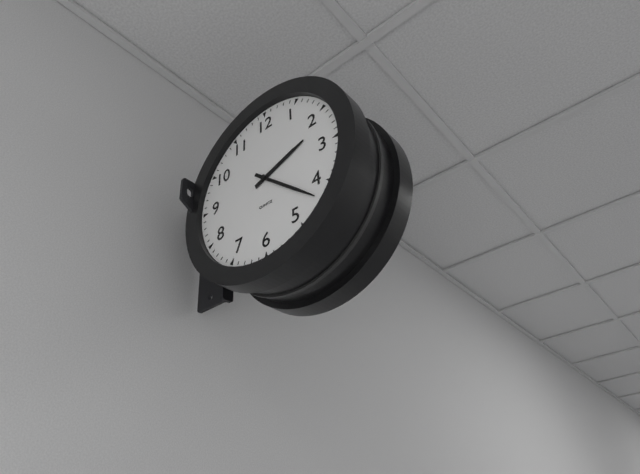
2:22
